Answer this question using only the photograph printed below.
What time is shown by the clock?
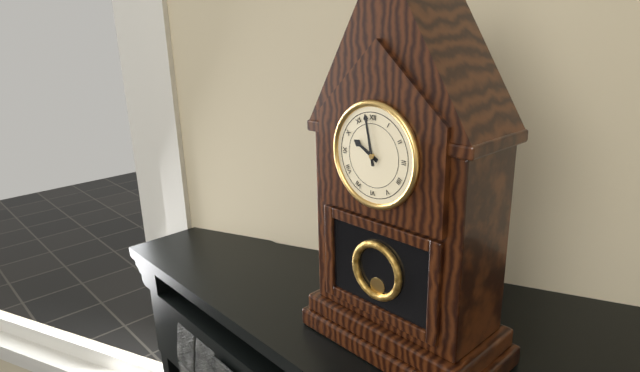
9:58
